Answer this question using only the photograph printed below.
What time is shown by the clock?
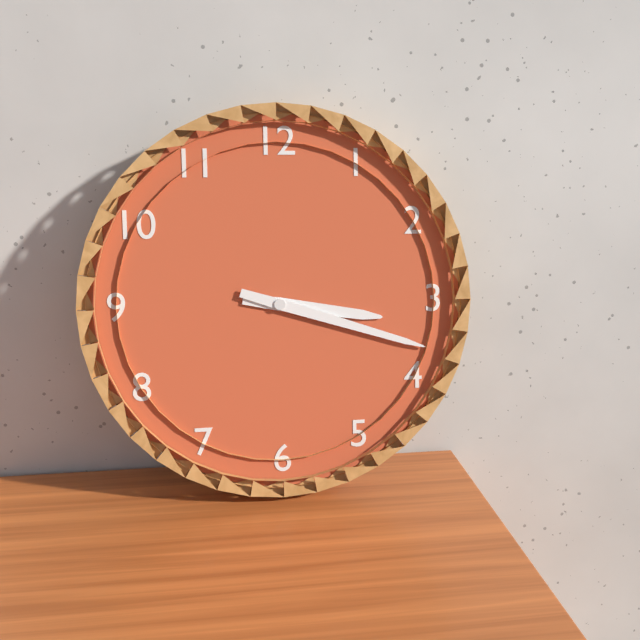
3:18
